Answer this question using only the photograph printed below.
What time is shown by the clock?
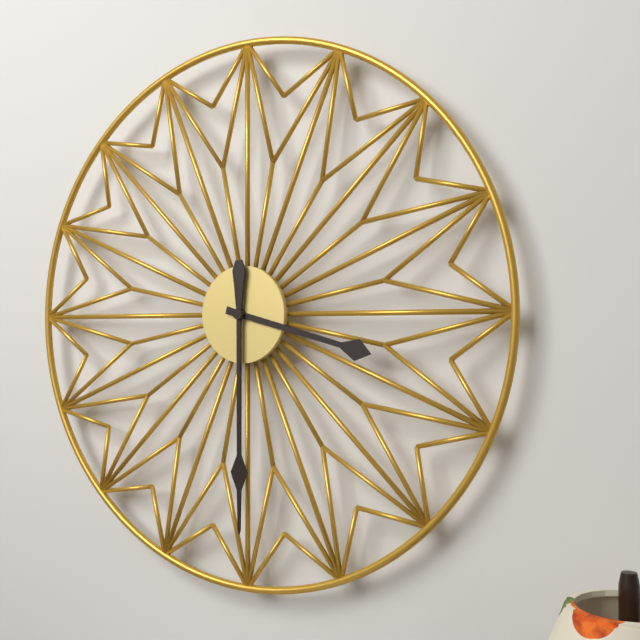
3:30
